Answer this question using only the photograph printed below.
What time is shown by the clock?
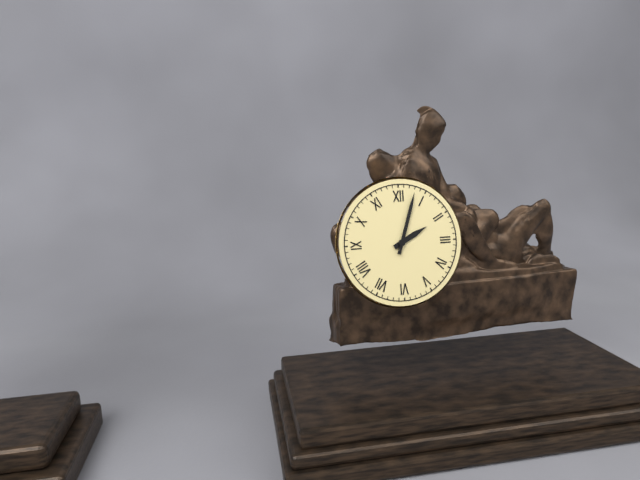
2:03
